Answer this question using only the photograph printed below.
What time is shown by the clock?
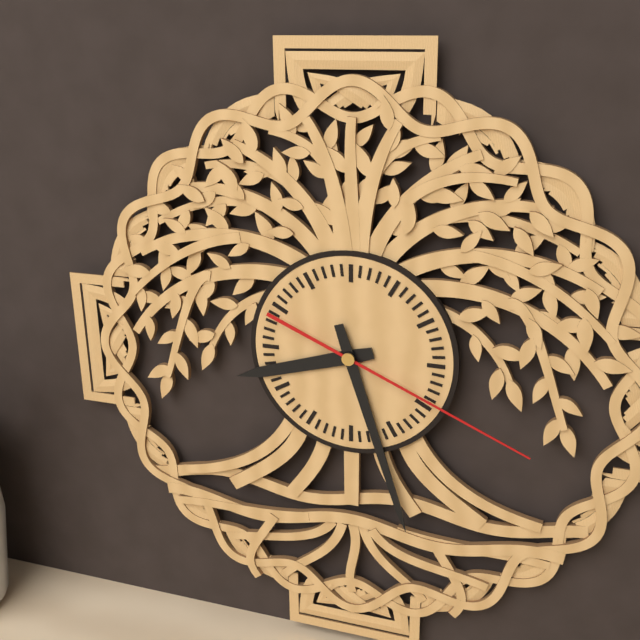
8:27:19
